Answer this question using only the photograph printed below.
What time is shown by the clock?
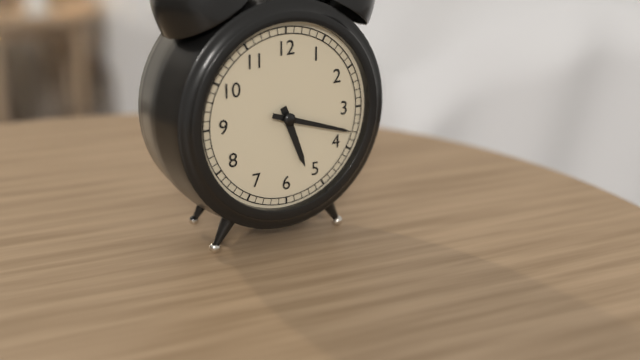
5:18
